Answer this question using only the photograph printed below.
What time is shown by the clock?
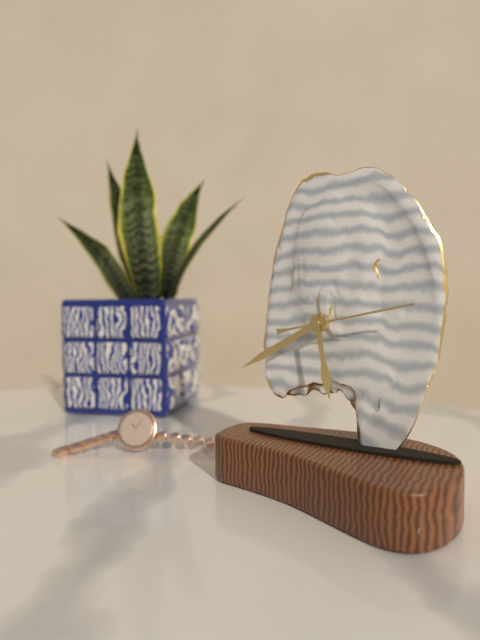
5:40:13
